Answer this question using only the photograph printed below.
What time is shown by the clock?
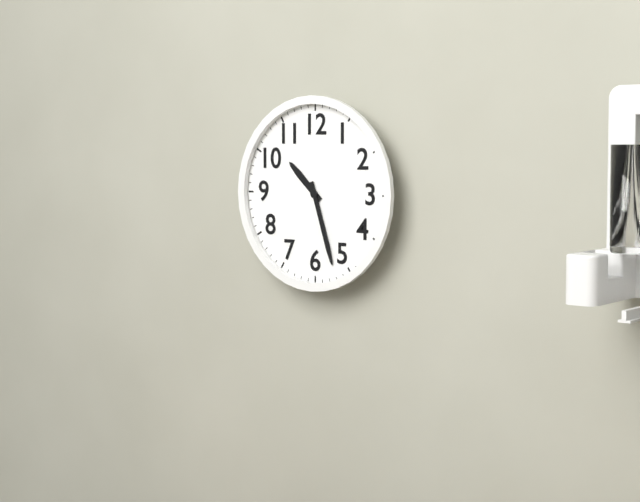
10:27
